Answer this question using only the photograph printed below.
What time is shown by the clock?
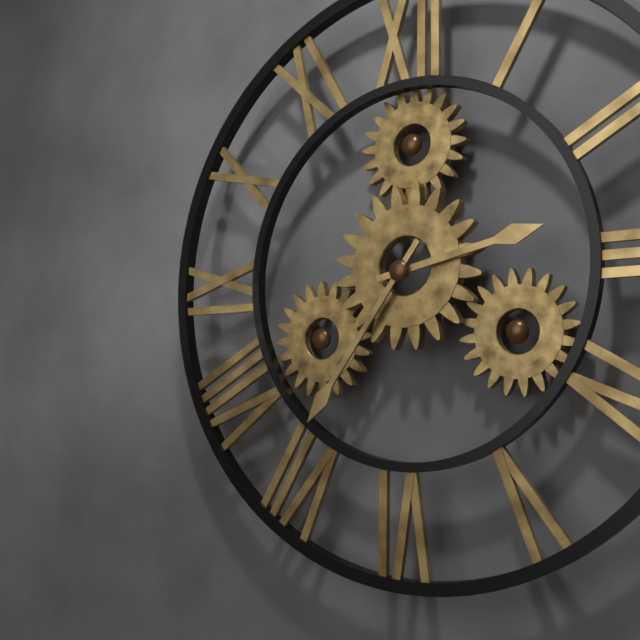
2:36
